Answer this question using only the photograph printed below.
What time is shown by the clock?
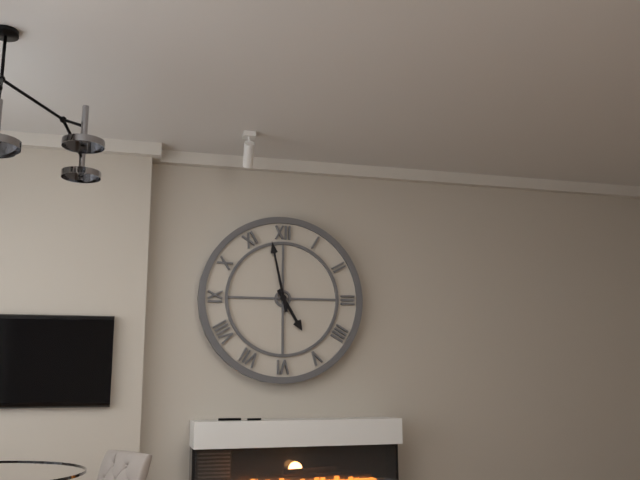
4:58
